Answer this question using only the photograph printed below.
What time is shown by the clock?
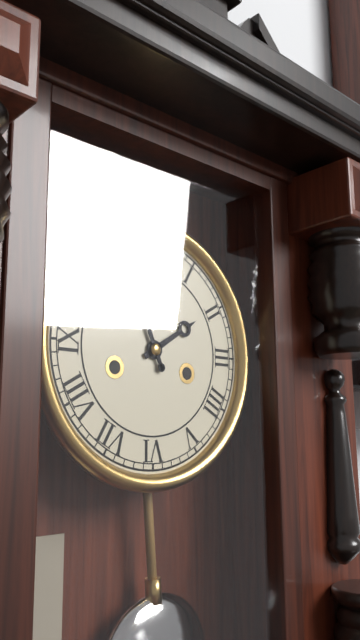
1:56
